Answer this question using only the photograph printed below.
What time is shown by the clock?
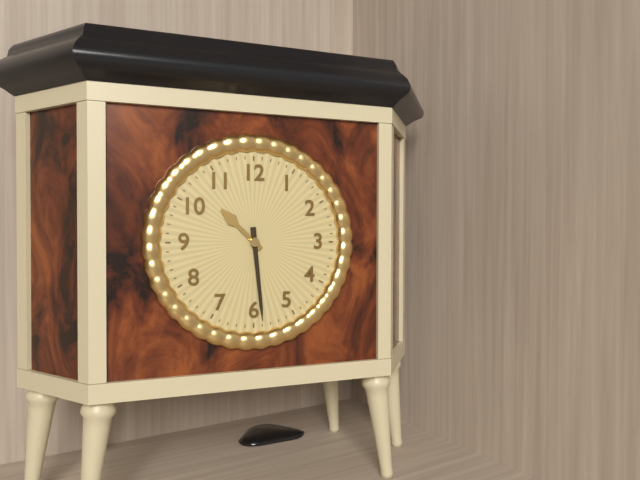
10:29
